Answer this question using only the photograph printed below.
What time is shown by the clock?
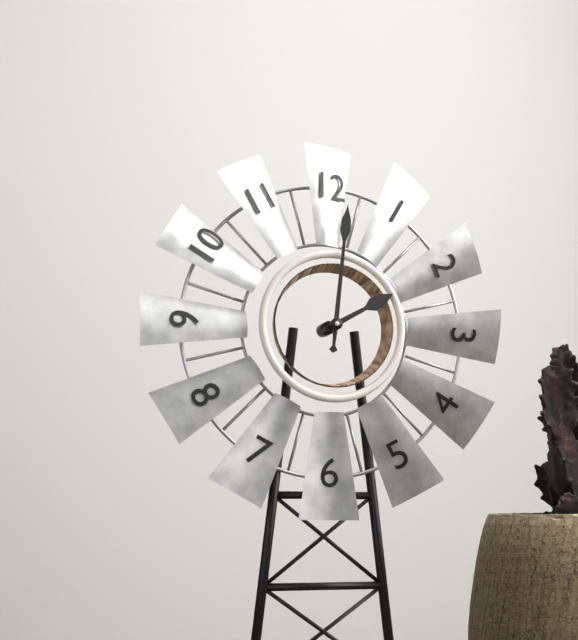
2:01
